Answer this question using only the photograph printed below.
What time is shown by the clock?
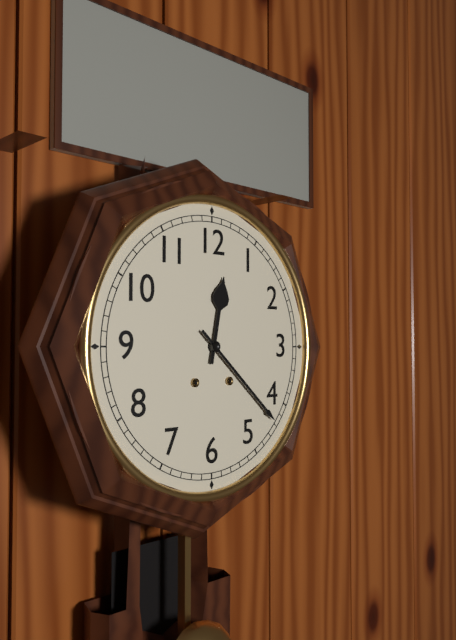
12:22
